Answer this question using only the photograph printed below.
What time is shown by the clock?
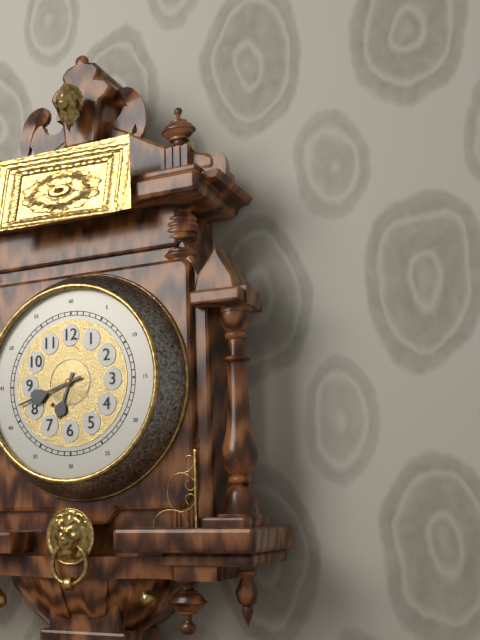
6:42
